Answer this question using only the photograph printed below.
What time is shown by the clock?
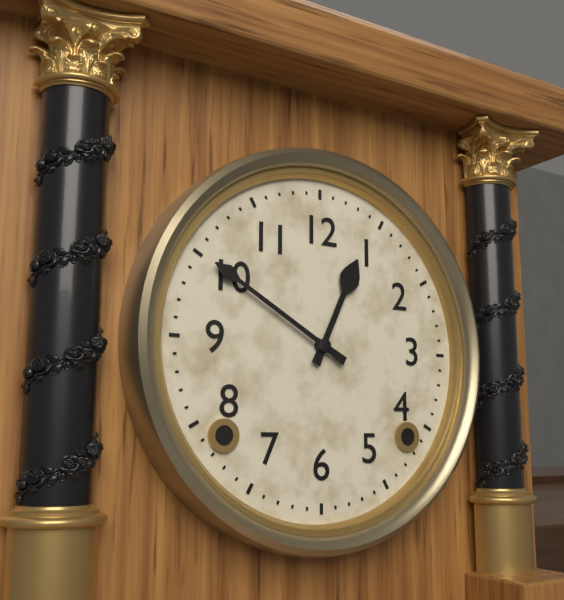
12:50
